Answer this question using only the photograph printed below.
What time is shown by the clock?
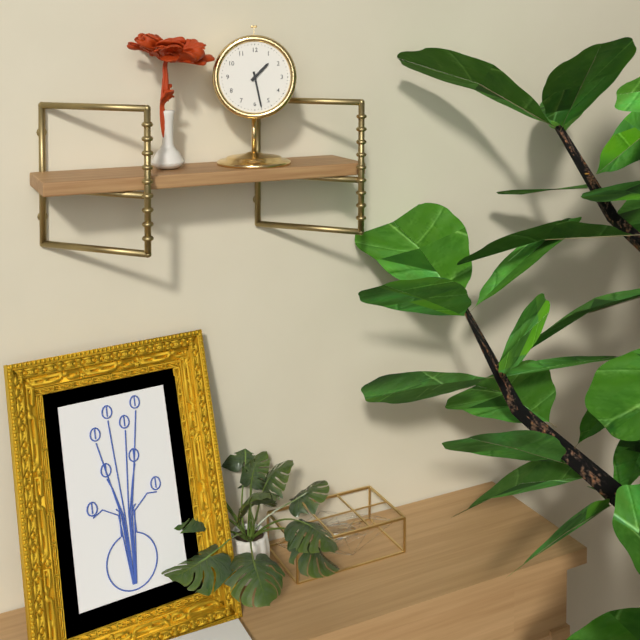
1:28
